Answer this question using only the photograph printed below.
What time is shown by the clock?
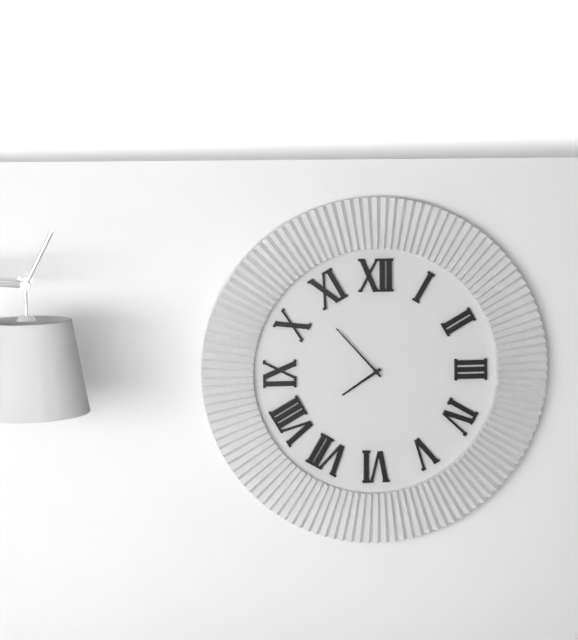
7:53
